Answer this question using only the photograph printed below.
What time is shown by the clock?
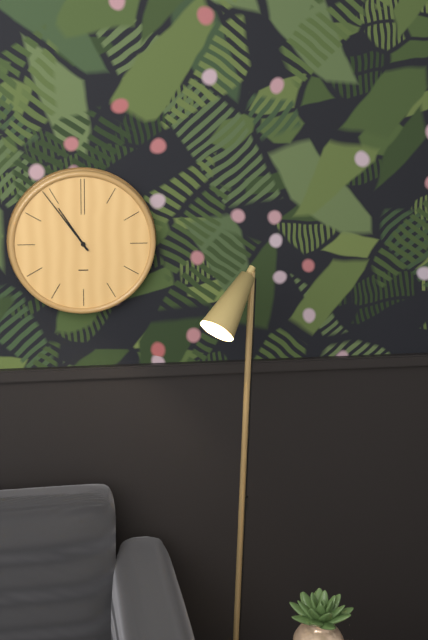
10:54
